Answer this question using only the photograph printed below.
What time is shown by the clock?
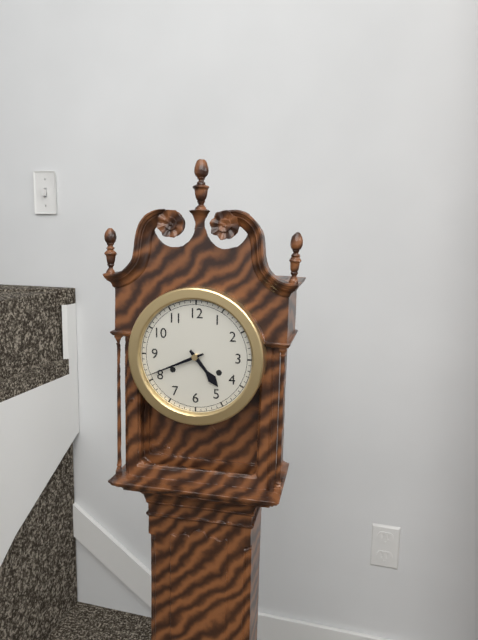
4:41
